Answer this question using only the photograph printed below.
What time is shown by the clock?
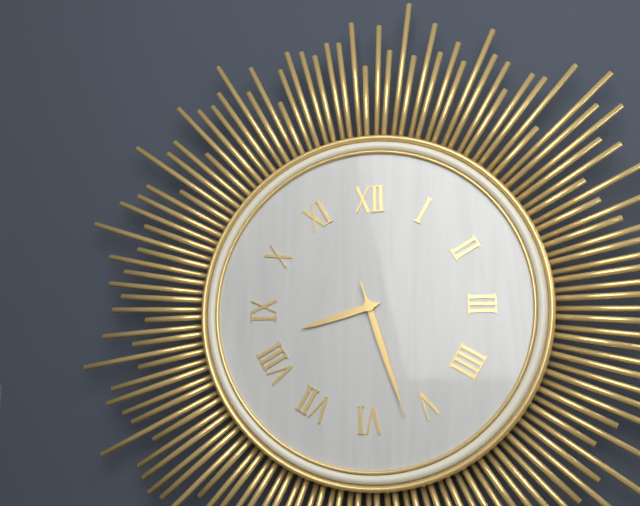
8:27:27
